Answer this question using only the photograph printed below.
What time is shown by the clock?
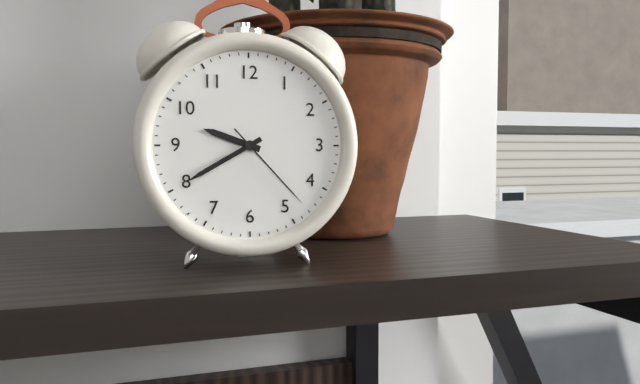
9:40:23
